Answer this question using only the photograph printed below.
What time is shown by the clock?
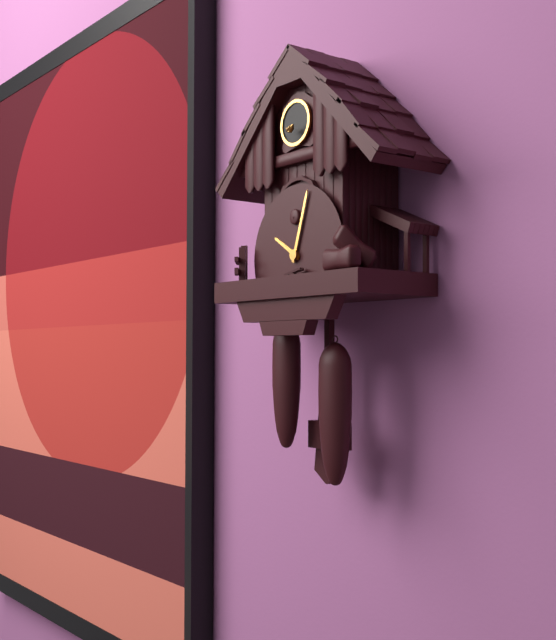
10:03
